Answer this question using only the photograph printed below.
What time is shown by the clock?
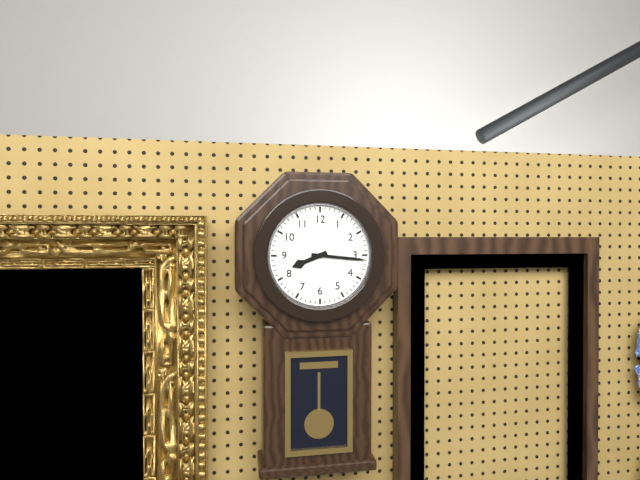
8:16
